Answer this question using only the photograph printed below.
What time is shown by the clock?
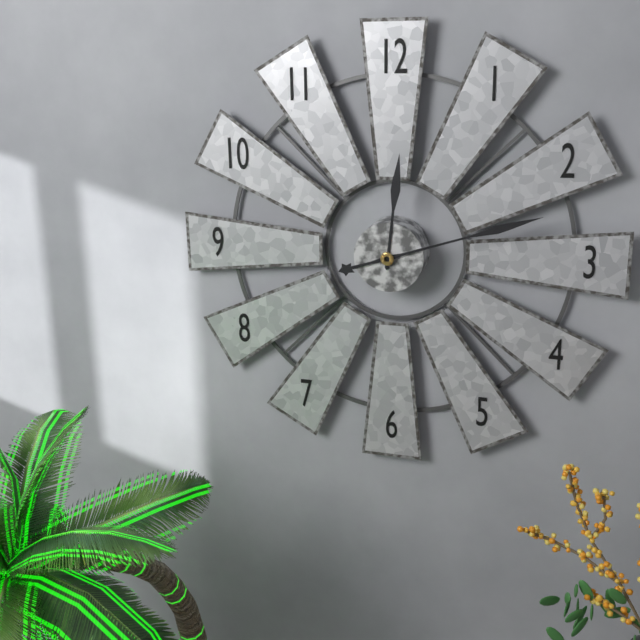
12:12
